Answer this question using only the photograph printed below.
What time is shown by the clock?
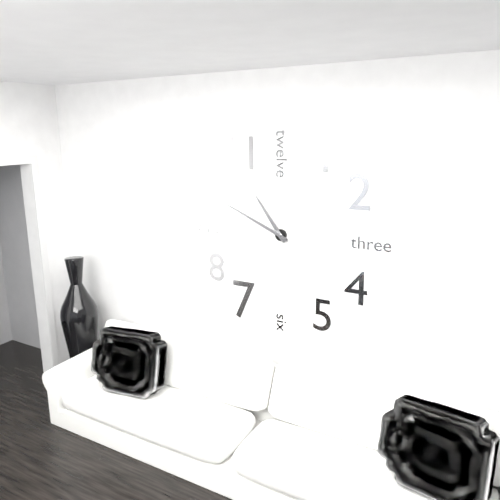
10:49
